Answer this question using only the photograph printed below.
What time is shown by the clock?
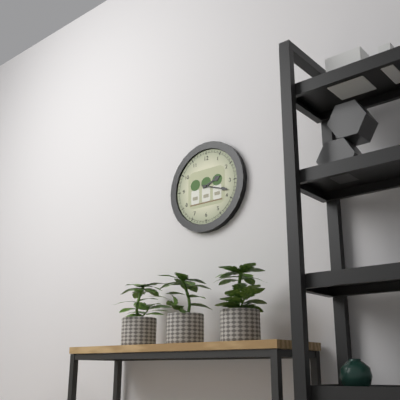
2:18
